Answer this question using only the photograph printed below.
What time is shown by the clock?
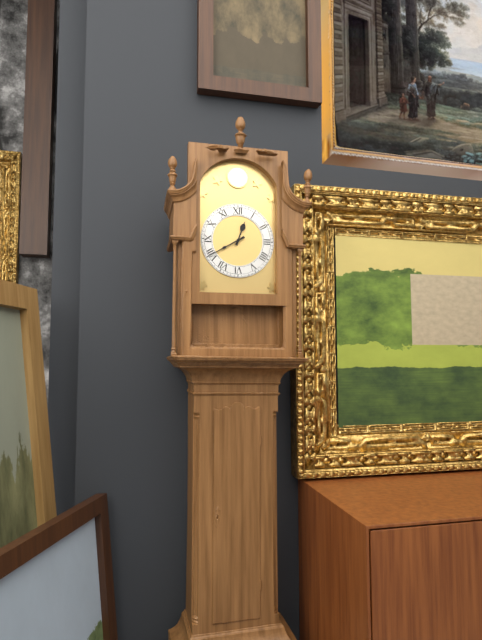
12:40
